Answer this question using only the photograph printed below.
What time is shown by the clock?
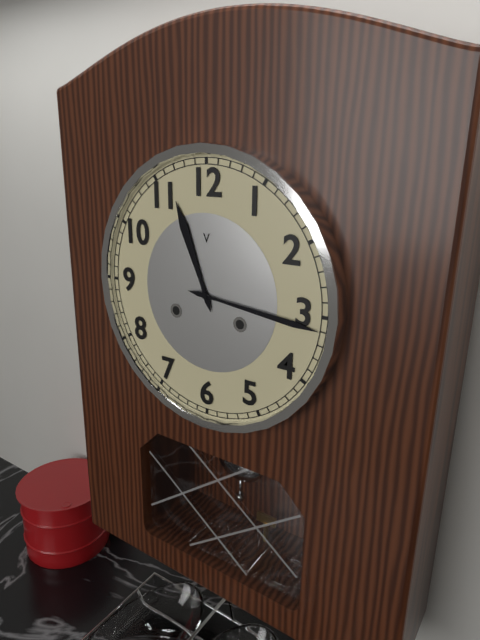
11:16
